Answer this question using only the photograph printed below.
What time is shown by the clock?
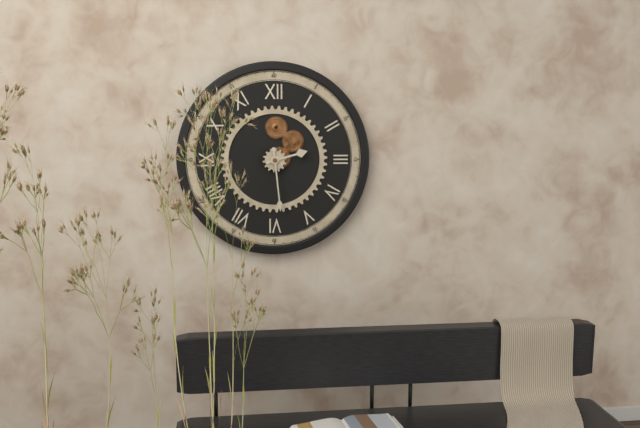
2:29
